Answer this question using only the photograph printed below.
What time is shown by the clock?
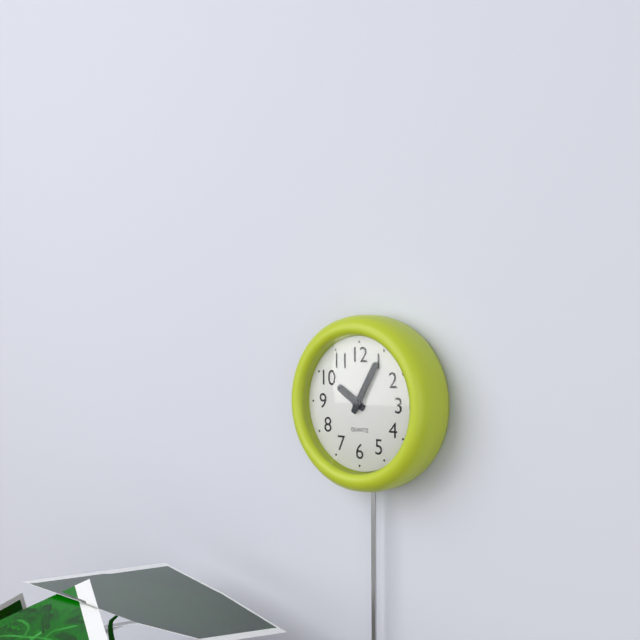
10:05
